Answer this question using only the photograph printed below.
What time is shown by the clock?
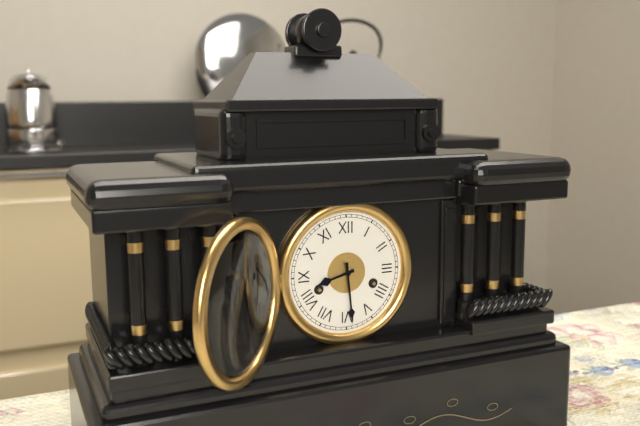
8:29
